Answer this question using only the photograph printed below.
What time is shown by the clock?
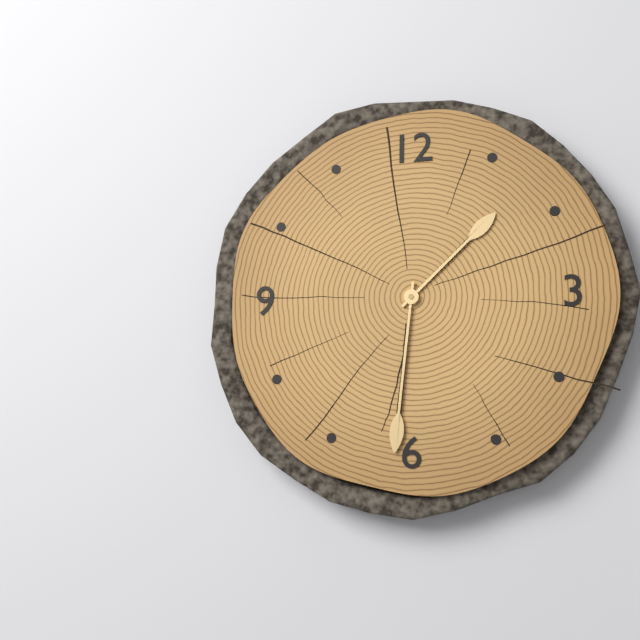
1:31
